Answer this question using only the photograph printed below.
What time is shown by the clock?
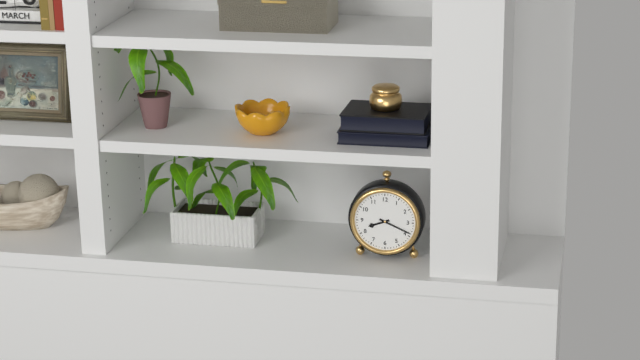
8:19
